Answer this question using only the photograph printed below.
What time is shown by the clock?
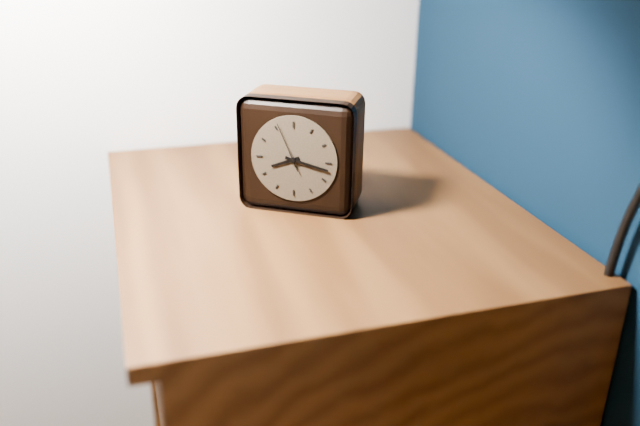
8:17
